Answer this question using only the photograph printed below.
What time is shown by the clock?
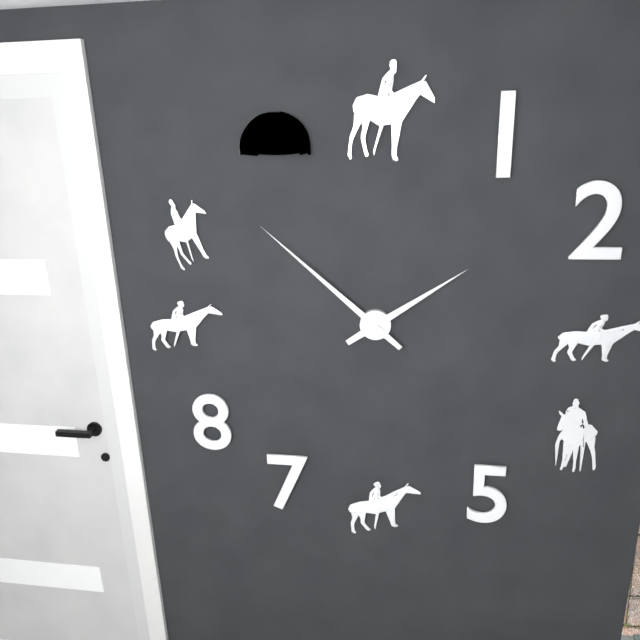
1:52
